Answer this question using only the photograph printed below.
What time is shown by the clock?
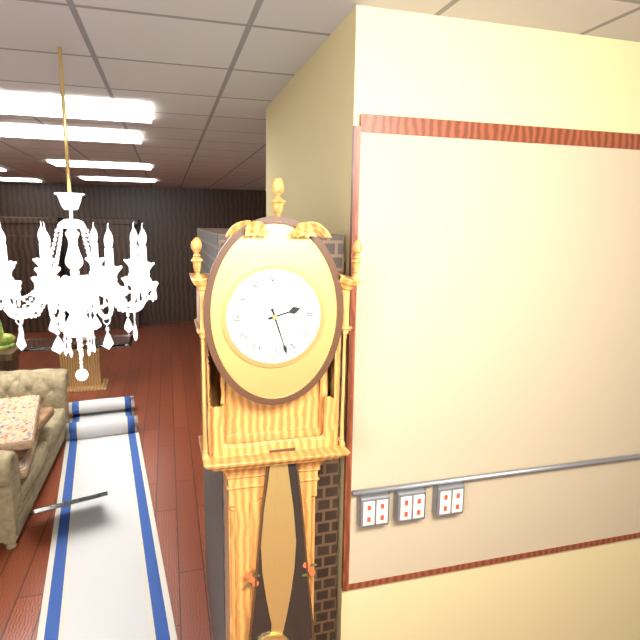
2:27
